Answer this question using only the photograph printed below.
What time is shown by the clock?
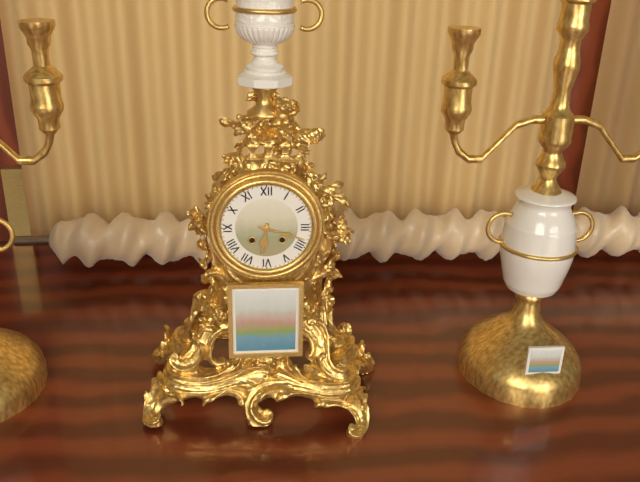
6:18
